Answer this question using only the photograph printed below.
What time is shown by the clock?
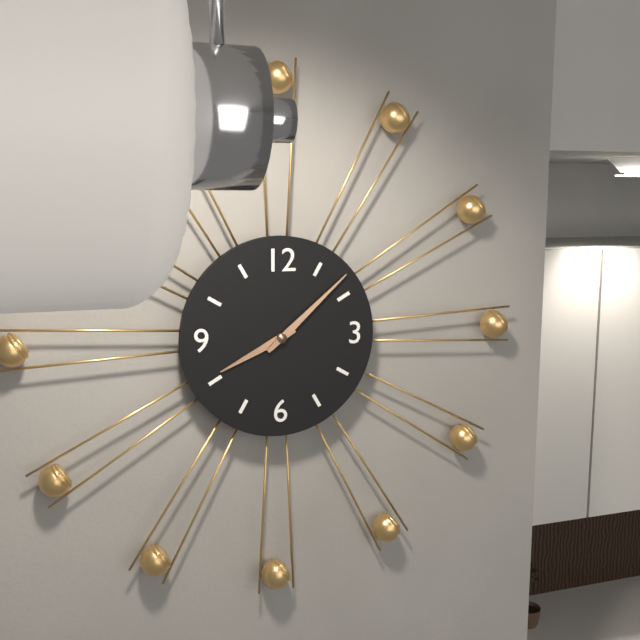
8:08
